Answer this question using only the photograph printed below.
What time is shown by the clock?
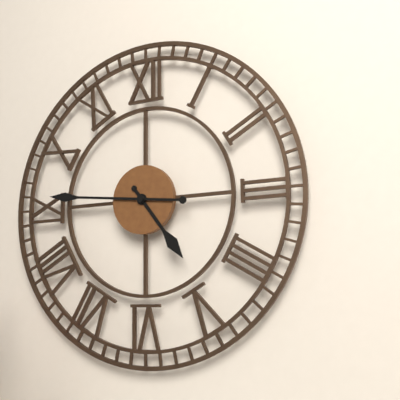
4:46
